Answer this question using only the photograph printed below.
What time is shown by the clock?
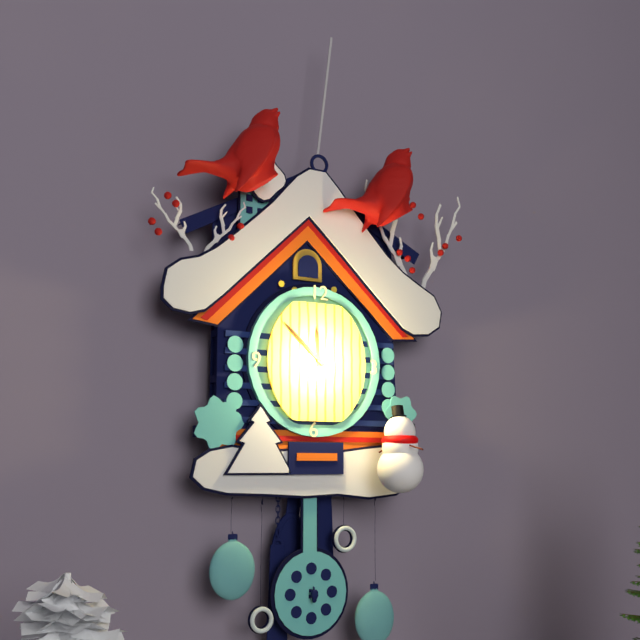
11:52
